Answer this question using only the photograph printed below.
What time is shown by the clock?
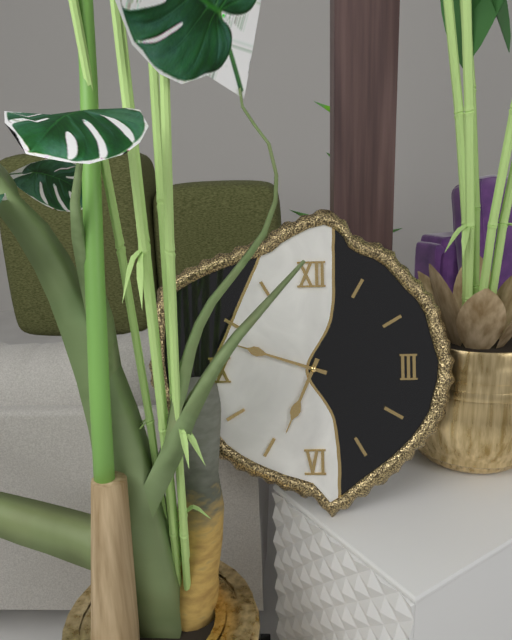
6:48
